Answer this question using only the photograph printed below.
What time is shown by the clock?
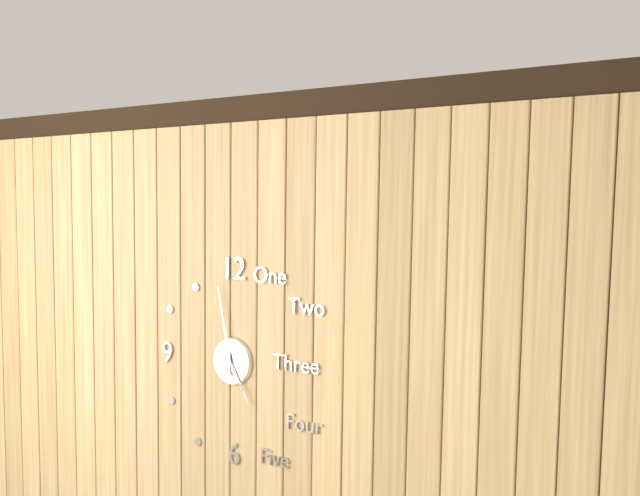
4:58
